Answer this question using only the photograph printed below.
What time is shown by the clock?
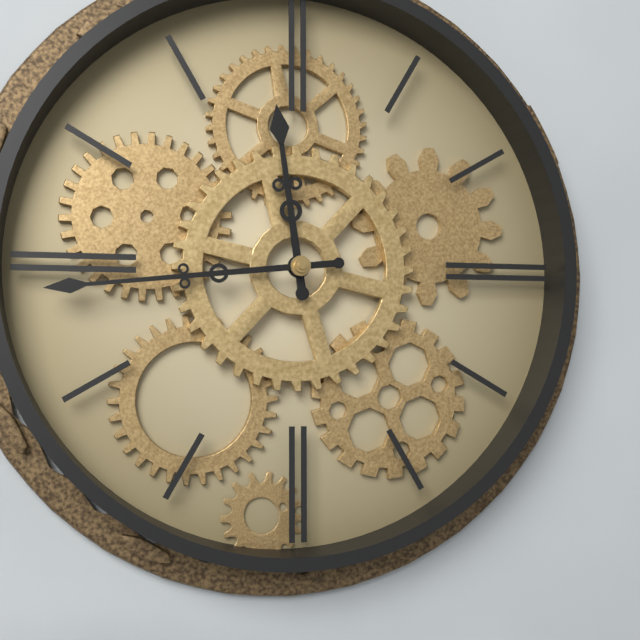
11:44
